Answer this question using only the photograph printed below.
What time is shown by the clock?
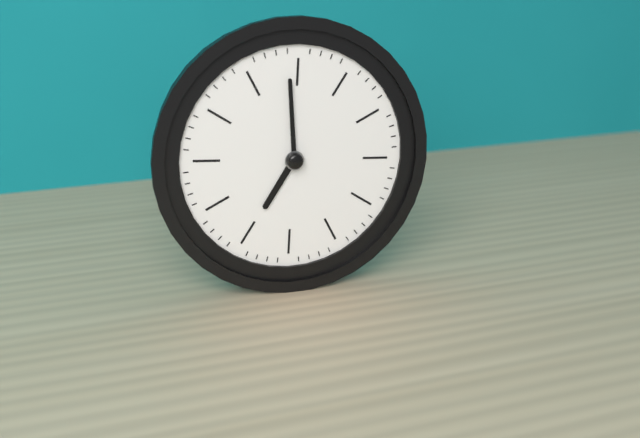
6:59
